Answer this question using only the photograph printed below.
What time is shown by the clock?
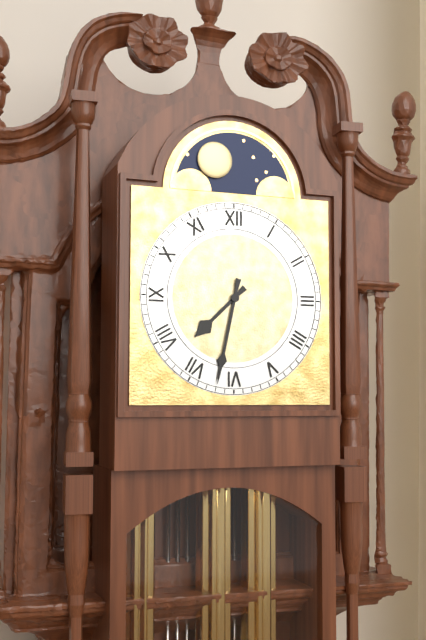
7:32
